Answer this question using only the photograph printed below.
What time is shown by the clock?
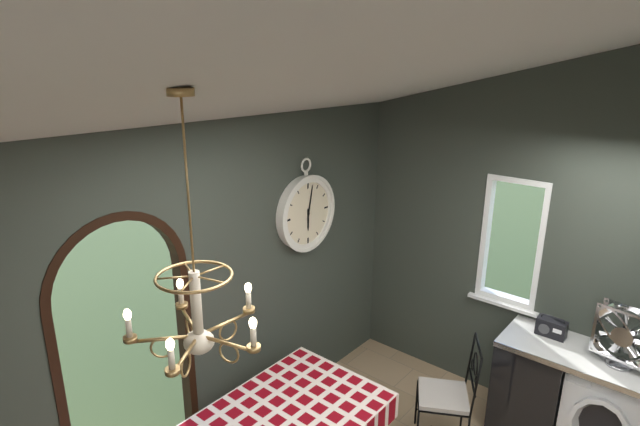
6:02
